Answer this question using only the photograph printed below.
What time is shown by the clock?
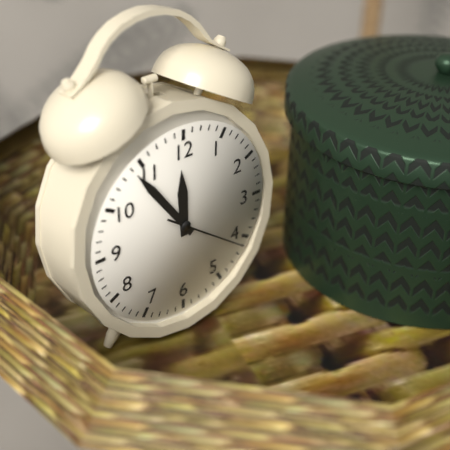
11:54:21
